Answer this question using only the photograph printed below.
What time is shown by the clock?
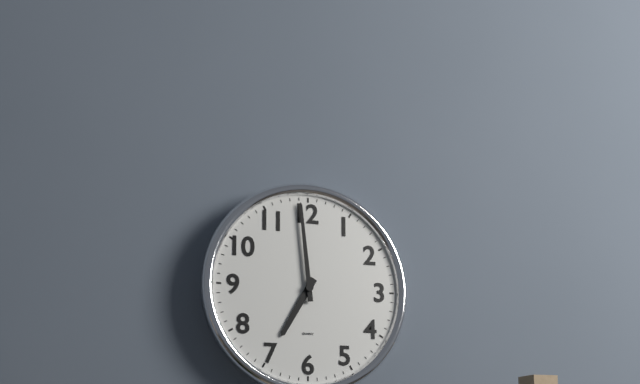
6:59
